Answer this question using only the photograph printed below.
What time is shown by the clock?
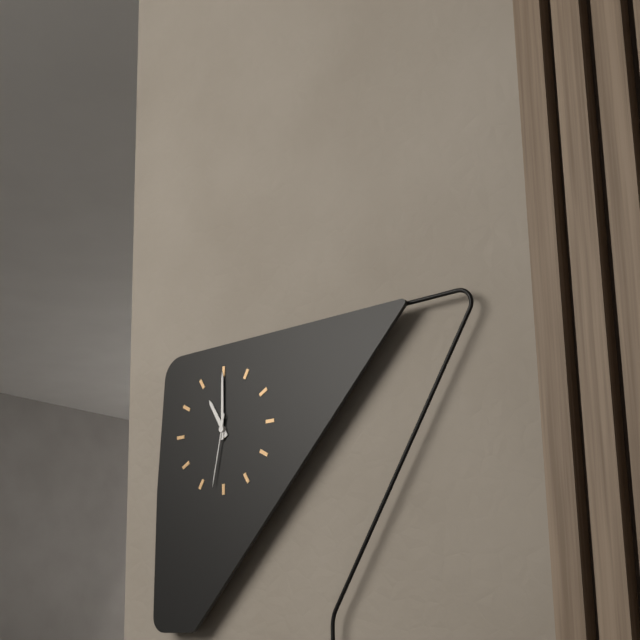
11:00:32
